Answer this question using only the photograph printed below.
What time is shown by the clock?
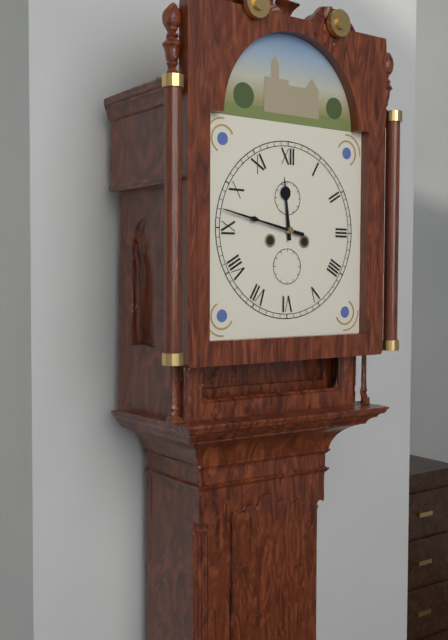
11:47
